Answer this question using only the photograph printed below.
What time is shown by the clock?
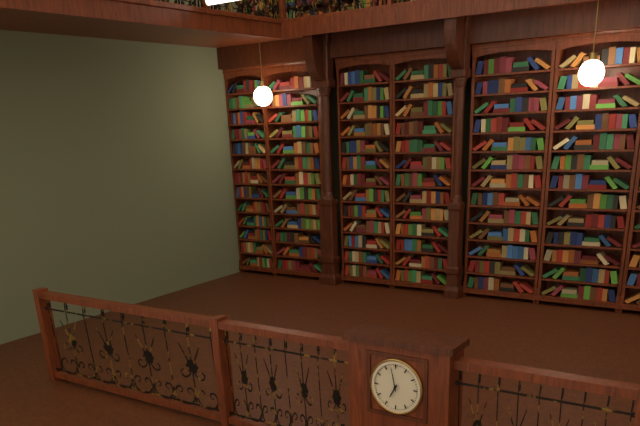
6:58
